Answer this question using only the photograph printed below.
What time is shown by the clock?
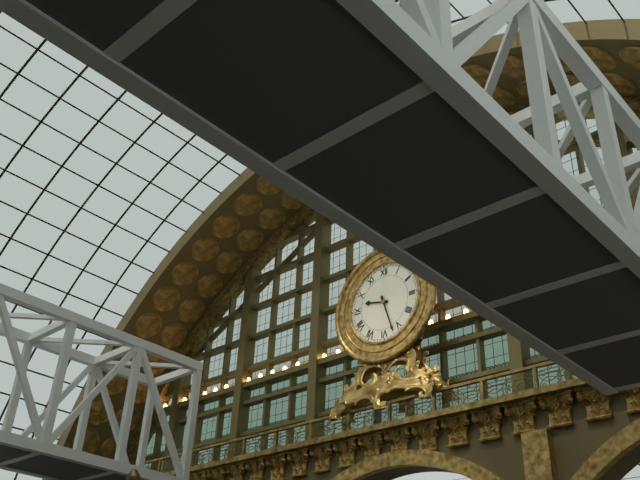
9:27
